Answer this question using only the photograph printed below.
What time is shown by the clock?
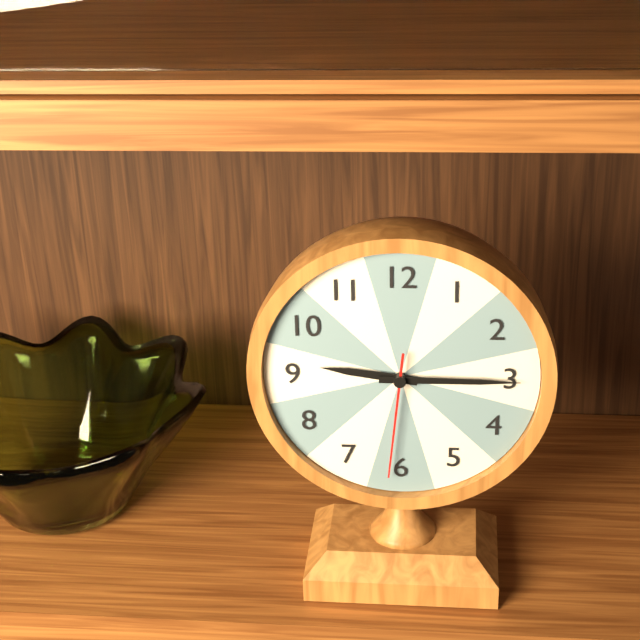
9:15:31
